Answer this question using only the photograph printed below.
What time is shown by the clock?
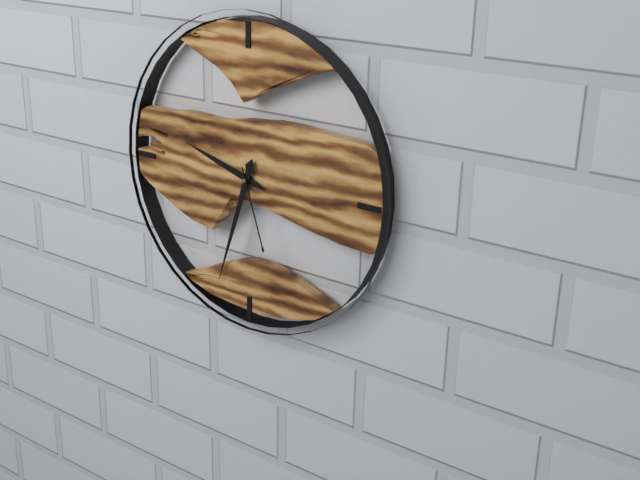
9:33:27
